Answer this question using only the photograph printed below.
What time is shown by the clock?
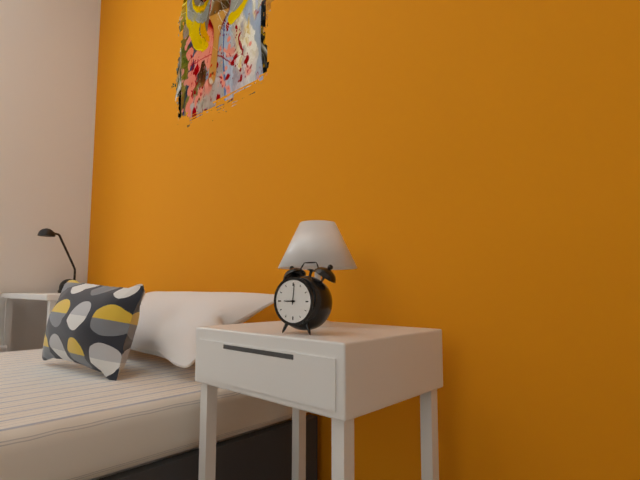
9:01
